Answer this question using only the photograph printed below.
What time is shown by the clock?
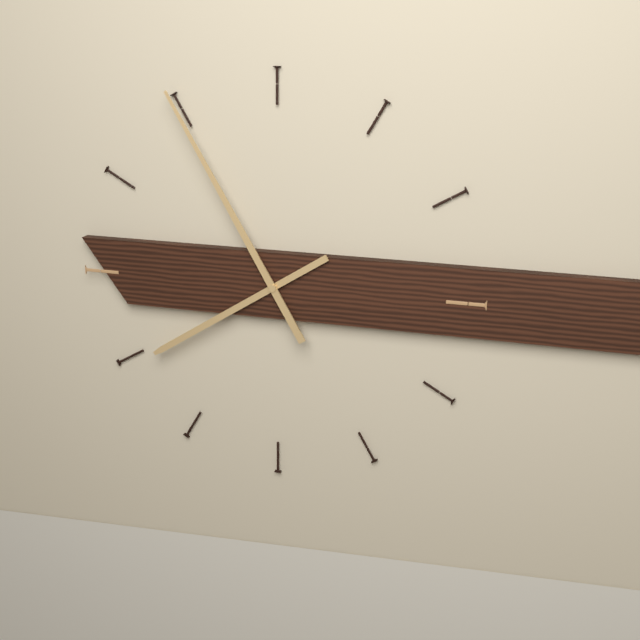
7:55
